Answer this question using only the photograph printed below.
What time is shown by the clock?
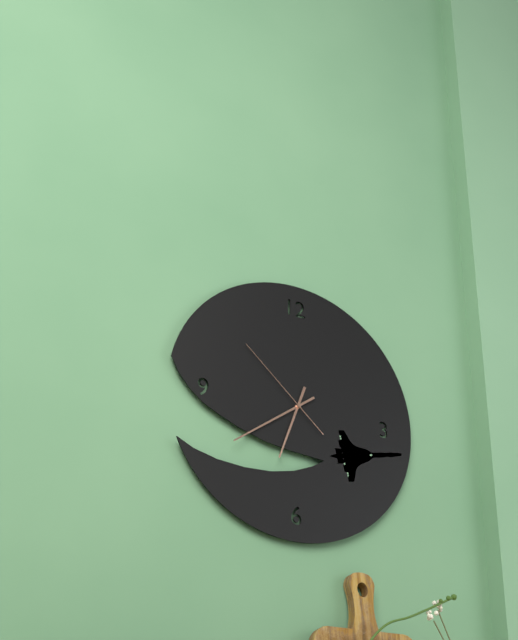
6:39:52
